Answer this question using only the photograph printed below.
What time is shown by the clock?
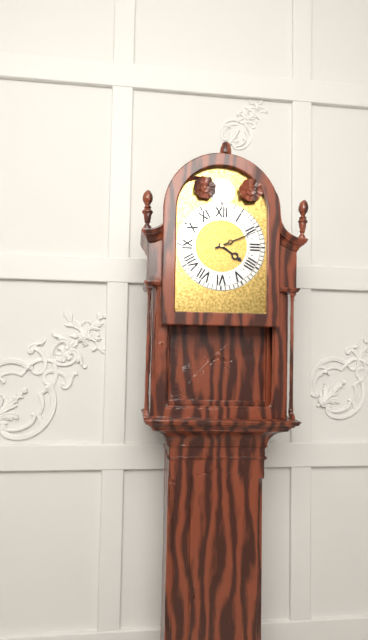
4:11
